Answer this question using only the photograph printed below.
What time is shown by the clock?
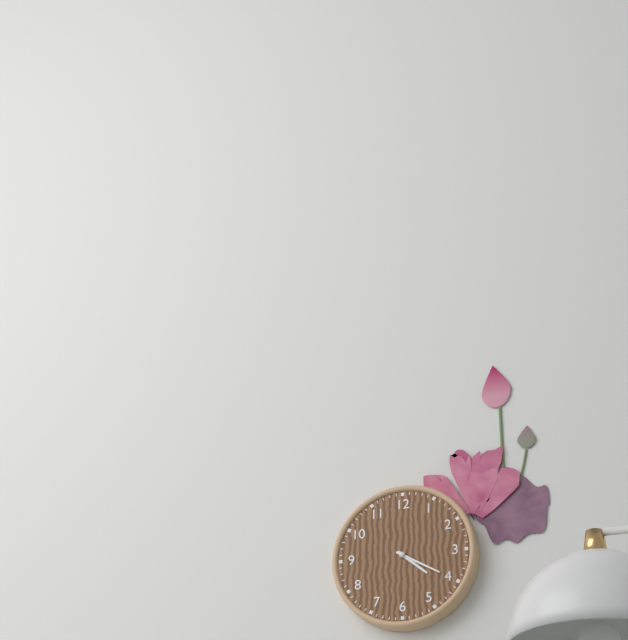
4:20
